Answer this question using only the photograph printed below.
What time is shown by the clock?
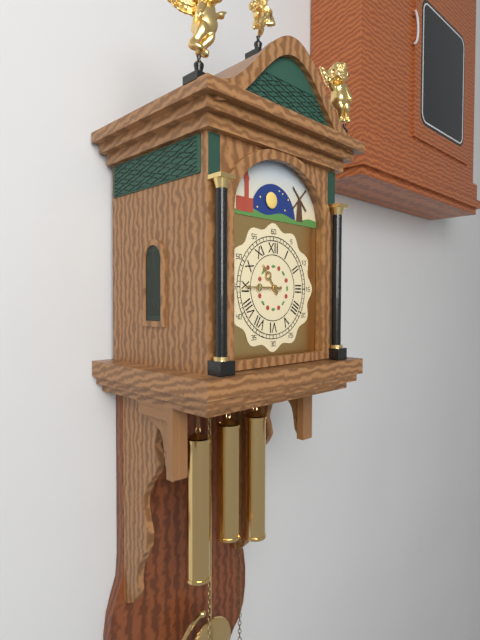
10:45
